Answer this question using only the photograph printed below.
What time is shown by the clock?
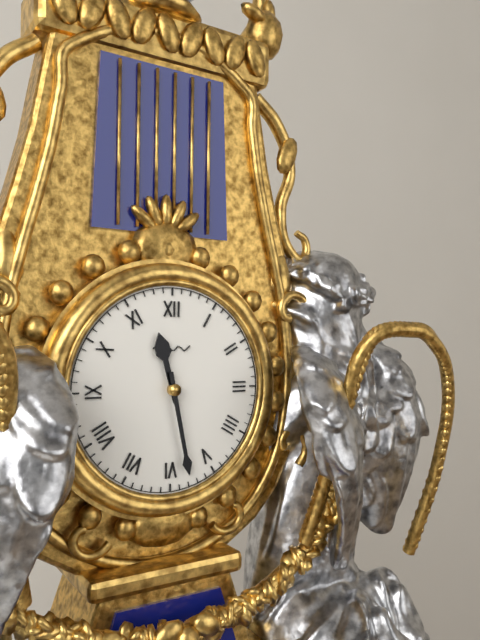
11:28
